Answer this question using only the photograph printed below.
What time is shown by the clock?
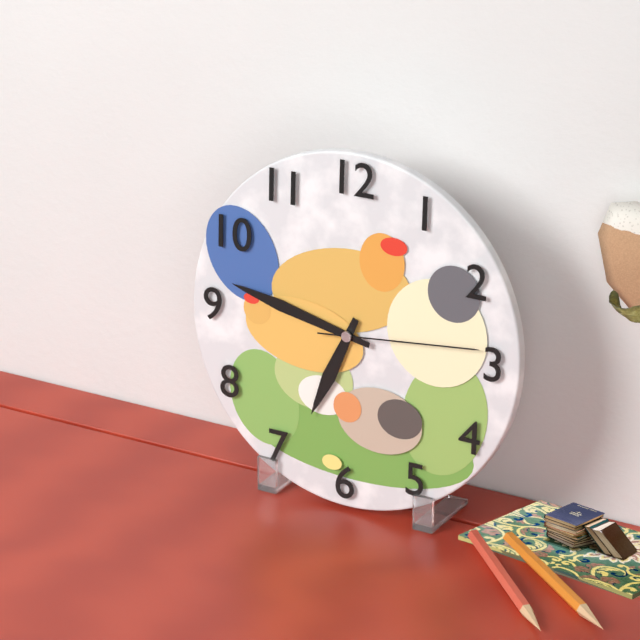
6:47:14
